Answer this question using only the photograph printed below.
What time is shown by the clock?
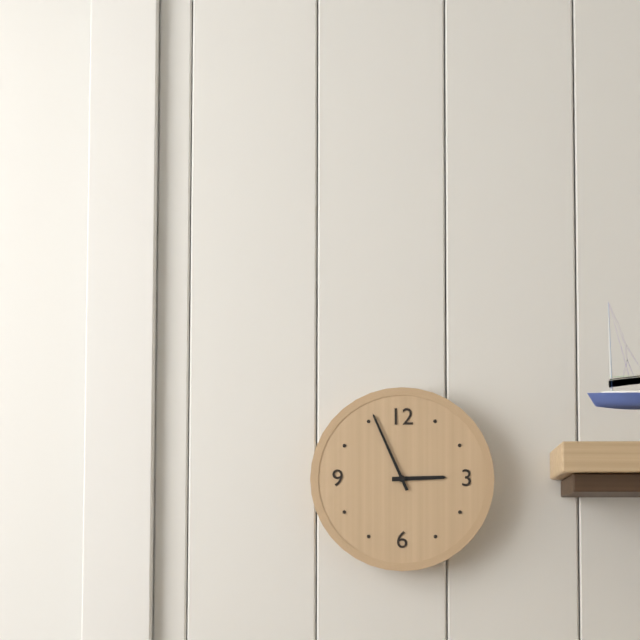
2:56
